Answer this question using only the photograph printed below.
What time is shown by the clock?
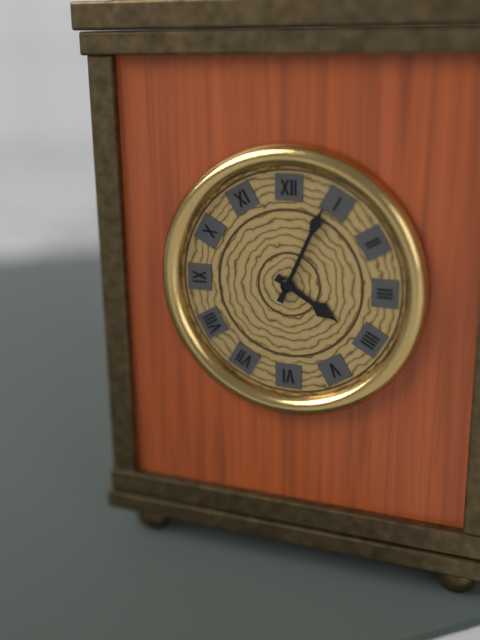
4:04
